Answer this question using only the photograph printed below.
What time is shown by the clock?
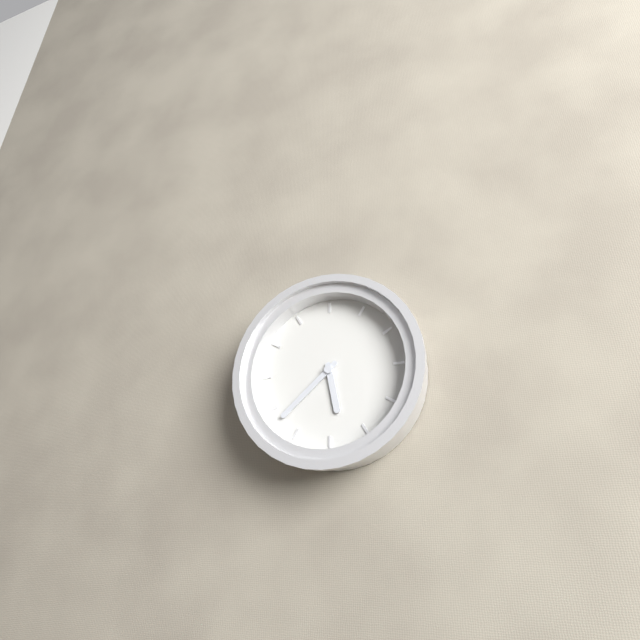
5:38
